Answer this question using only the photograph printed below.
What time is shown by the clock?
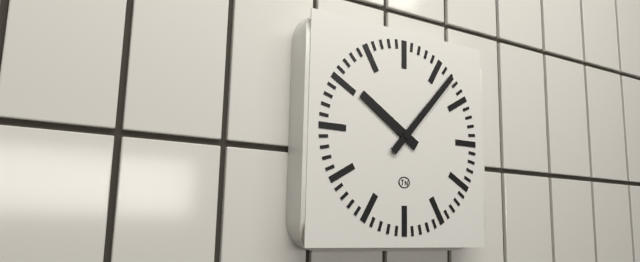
10:07
